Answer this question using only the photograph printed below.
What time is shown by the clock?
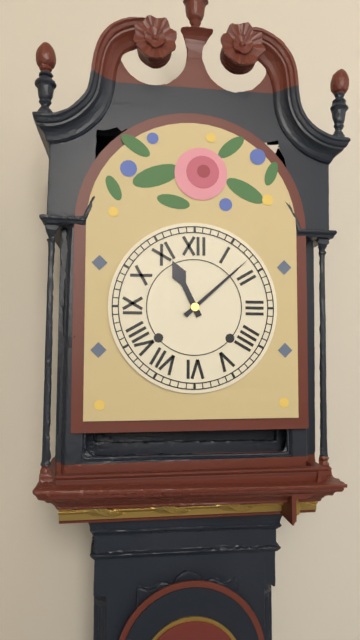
11:08
